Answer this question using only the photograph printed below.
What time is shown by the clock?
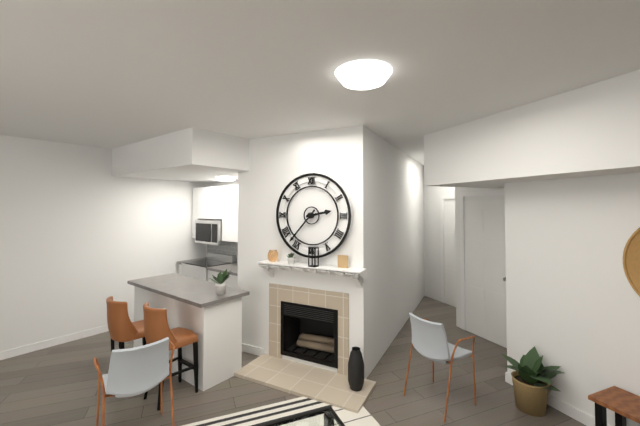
2:37
